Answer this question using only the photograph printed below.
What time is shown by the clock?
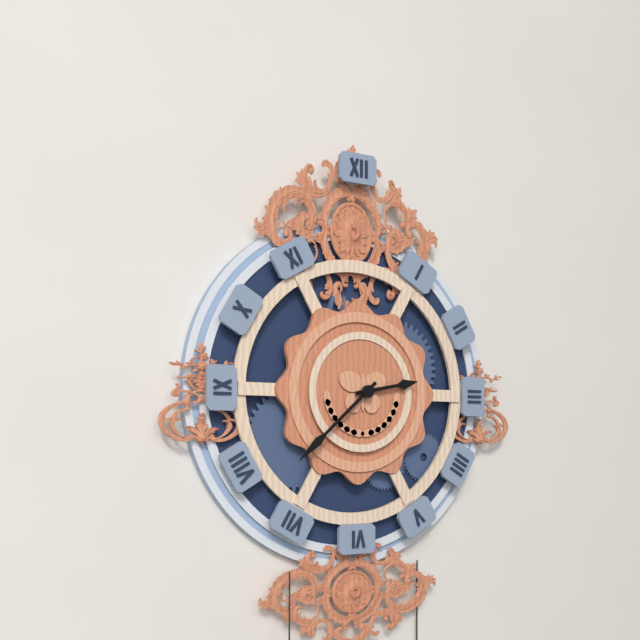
2:38
